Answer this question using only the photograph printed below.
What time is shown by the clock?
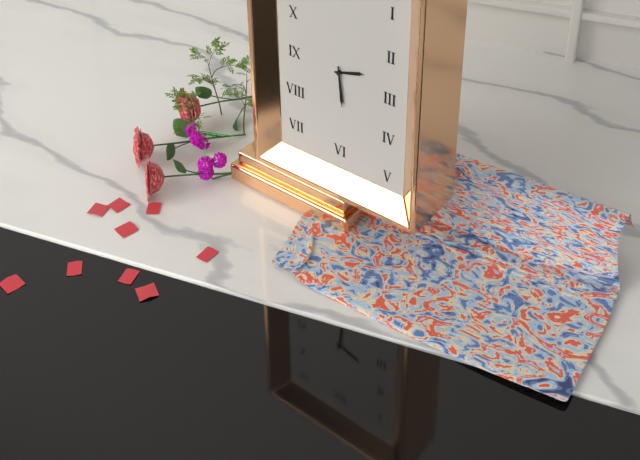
2:29
